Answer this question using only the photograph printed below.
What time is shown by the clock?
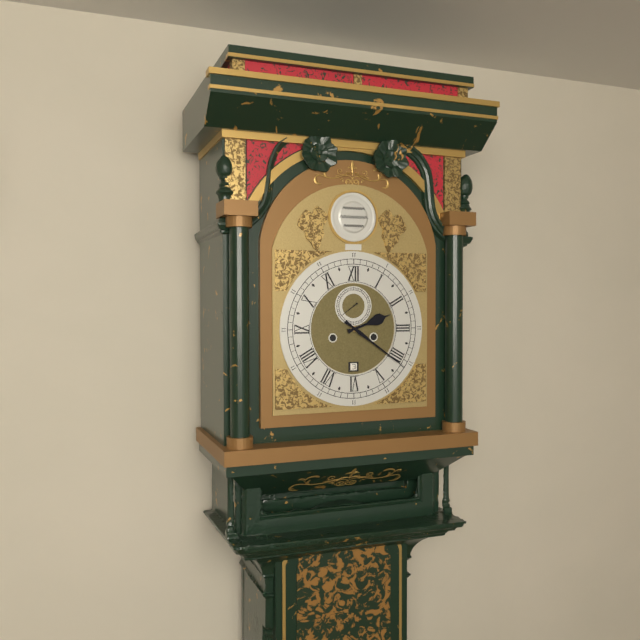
2:21
